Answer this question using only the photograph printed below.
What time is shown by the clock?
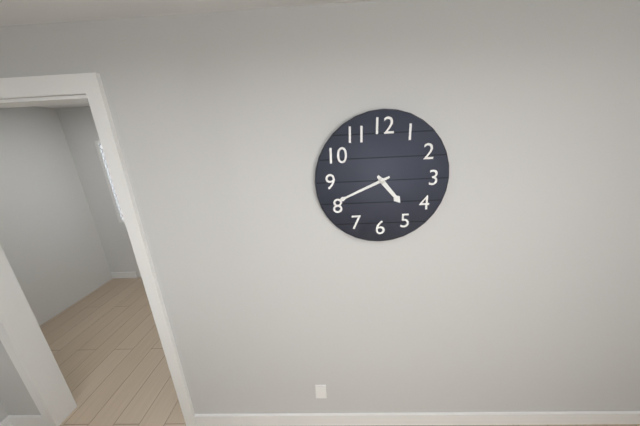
4:41
